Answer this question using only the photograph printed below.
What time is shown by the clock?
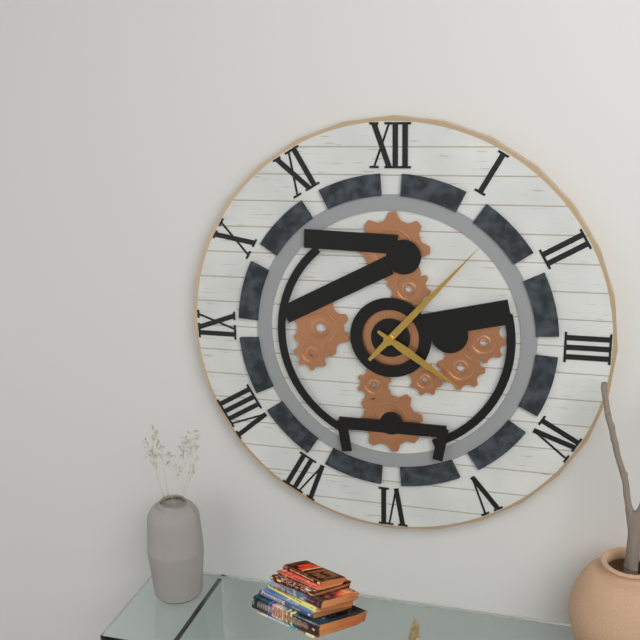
4:07
